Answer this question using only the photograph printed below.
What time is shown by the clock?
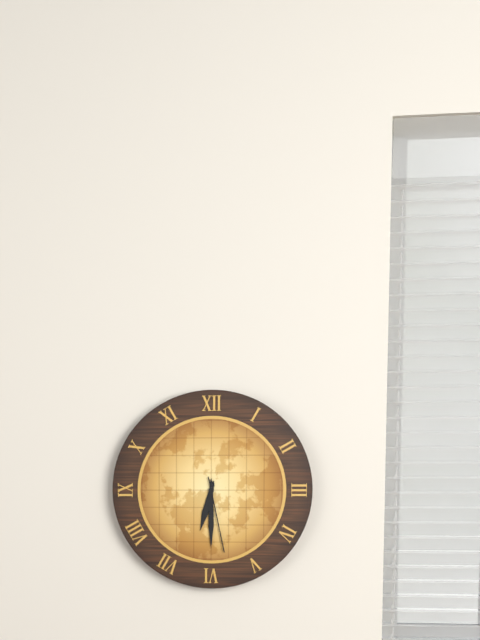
6:30:28
